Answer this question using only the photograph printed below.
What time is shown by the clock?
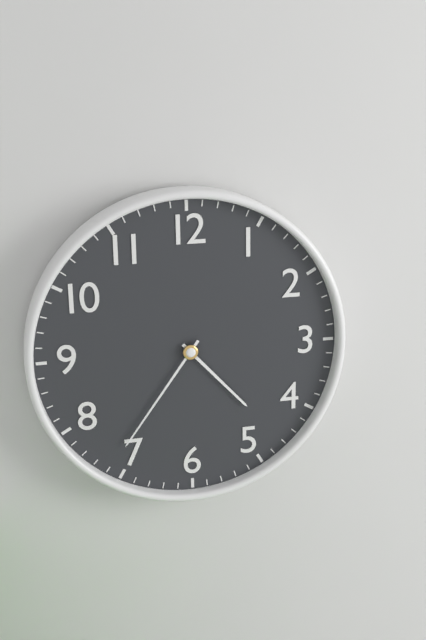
4:36
